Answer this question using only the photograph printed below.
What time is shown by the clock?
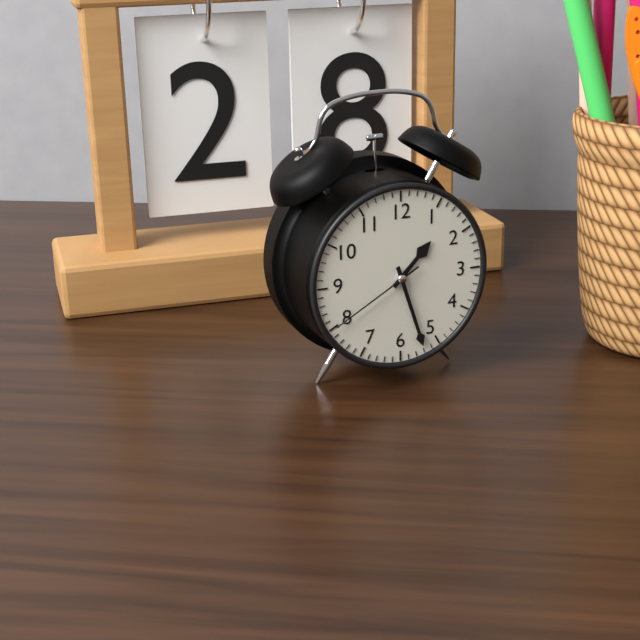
1:27:40
